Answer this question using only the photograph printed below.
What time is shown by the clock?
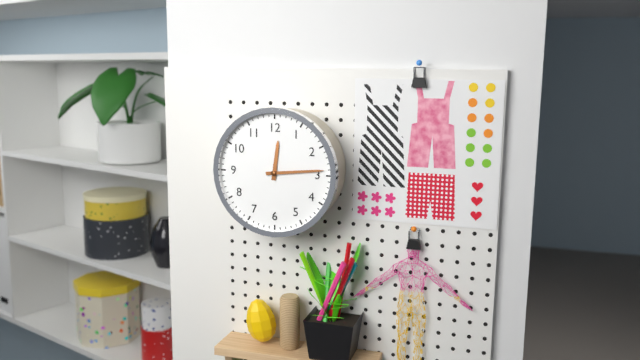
12:14
